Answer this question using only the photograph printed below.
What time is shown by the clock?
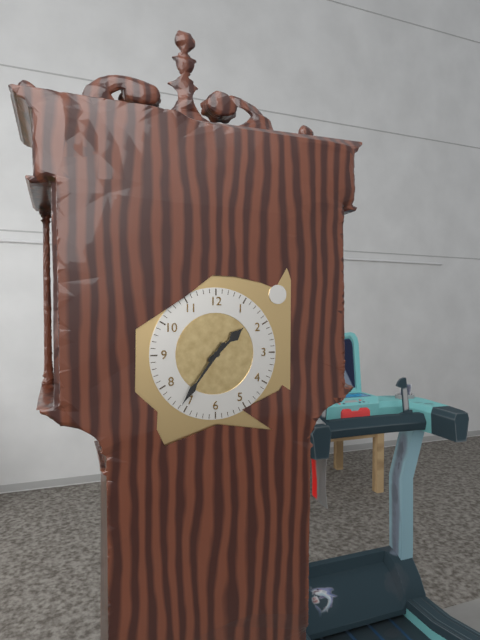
1:36
